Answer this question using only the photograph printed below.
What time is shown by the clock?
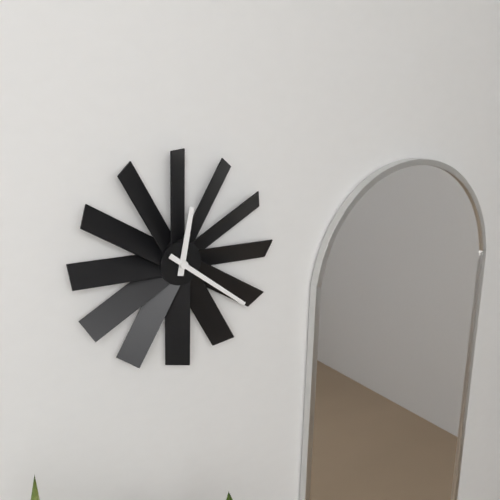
12:21
